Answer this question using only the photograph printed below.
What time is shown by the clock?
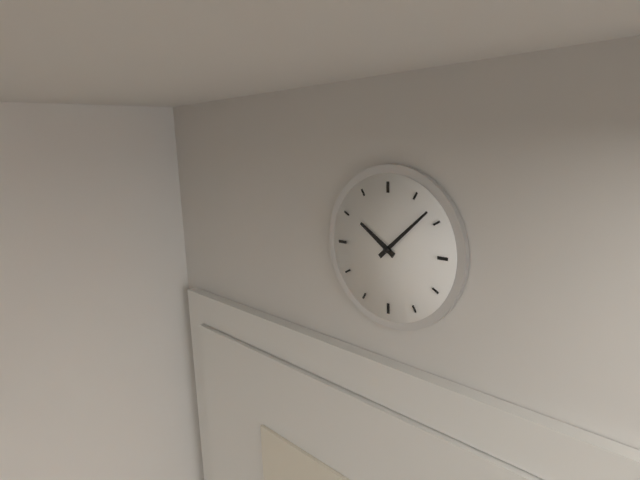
10:08
